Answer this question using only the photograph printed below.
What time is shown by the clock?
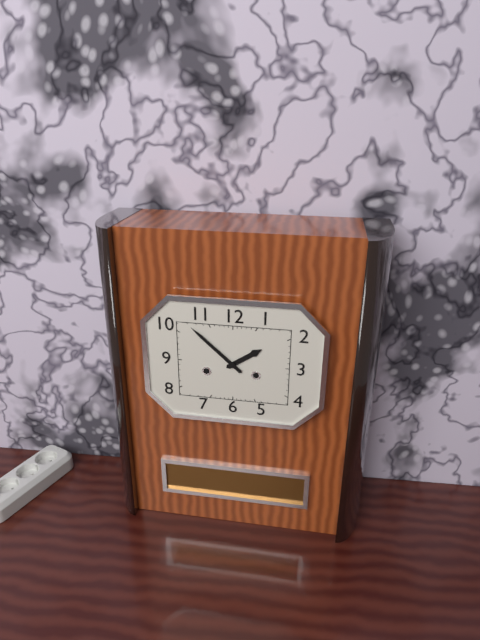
1:52
